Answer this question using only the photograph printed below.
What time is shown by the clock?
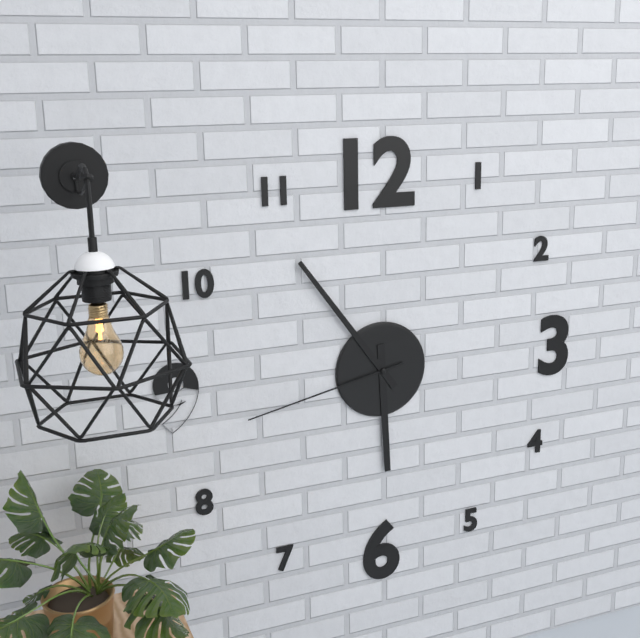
5:54:43
